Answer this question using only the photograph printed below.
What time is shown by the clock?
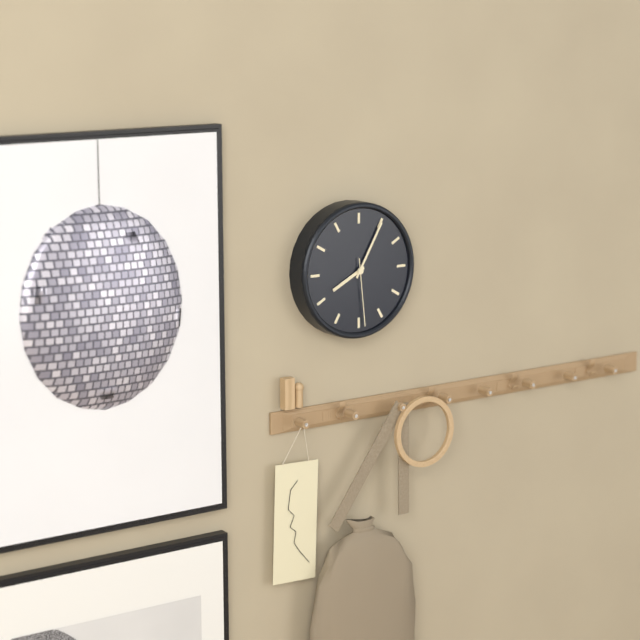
8:05:29
